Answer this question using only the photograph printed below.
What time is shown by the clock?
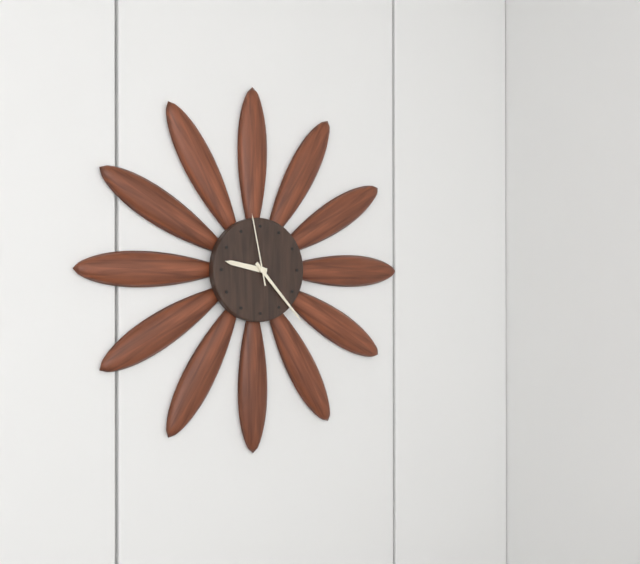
9:23:58
